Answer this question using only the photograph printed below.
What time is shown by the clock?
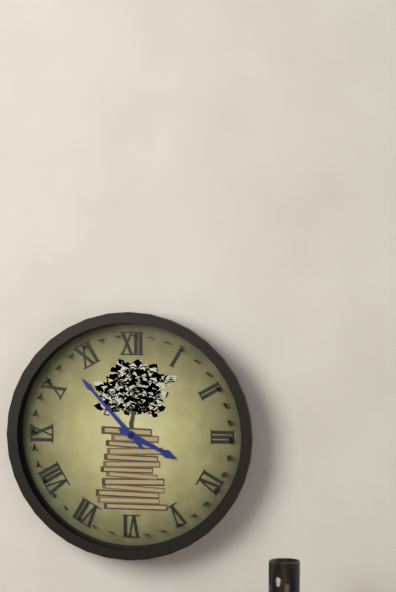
3:53
